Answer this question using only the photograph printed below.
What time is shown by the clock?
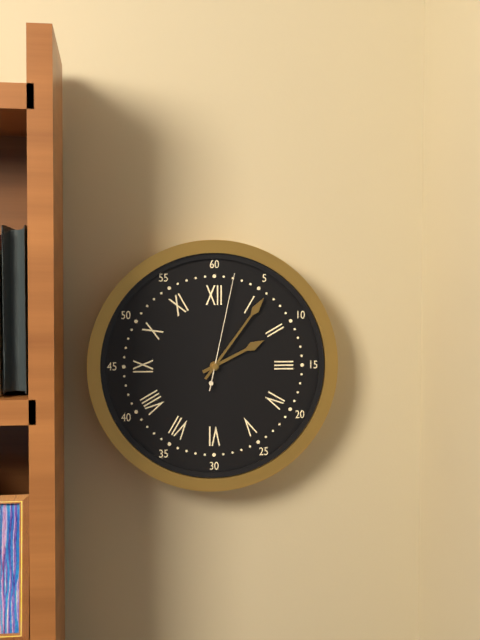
2:06:02
